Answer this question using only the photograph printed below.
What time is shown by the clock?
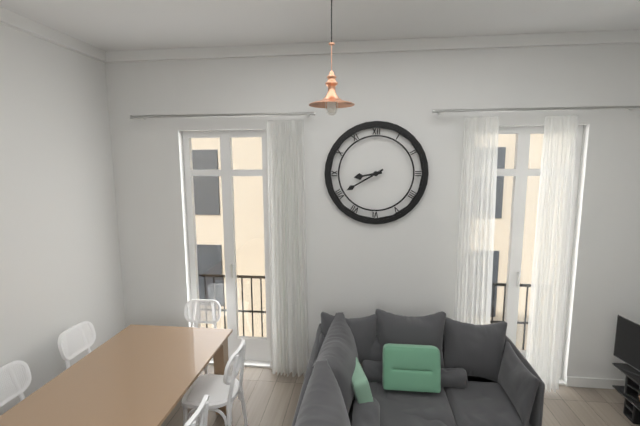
8:40
